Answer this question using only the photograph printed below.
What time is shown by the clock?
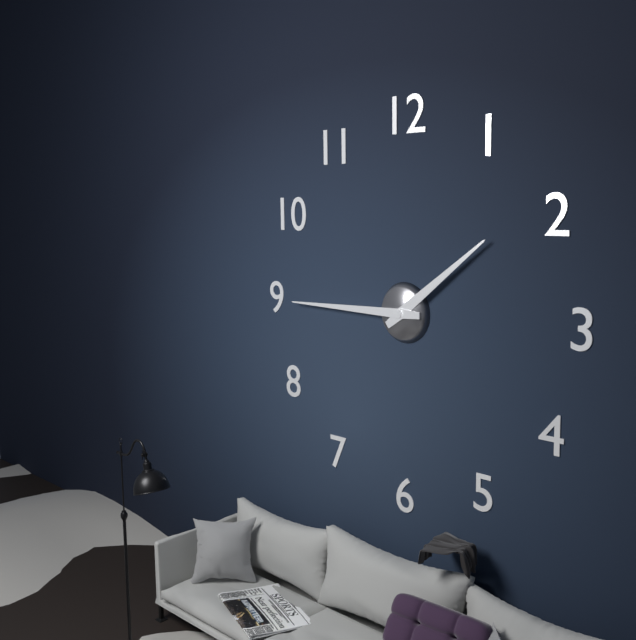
1:45
